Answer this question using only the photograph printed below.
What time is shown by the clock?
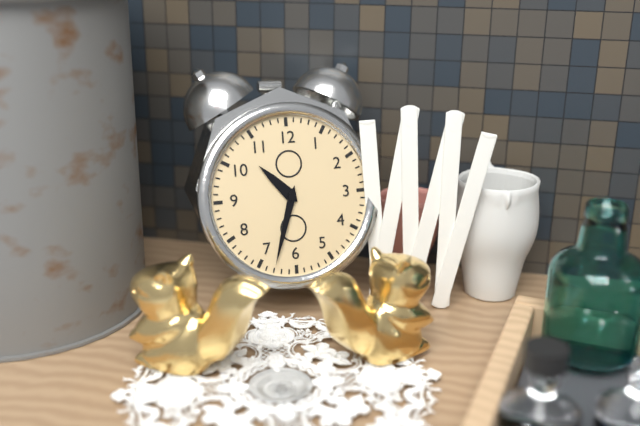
10:33
